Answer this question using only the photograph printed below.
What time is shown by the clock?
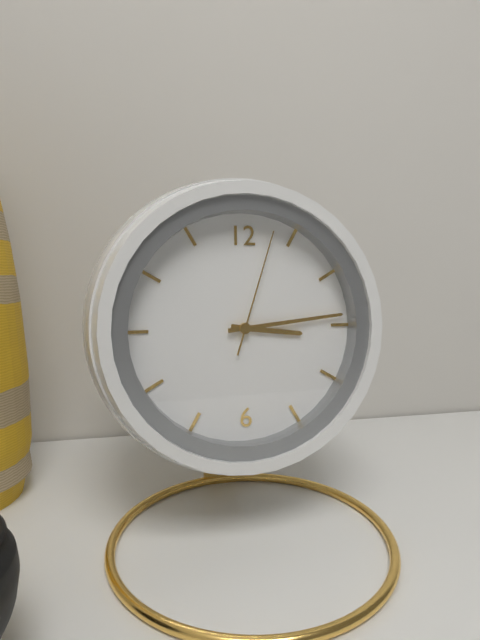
3:14:03
